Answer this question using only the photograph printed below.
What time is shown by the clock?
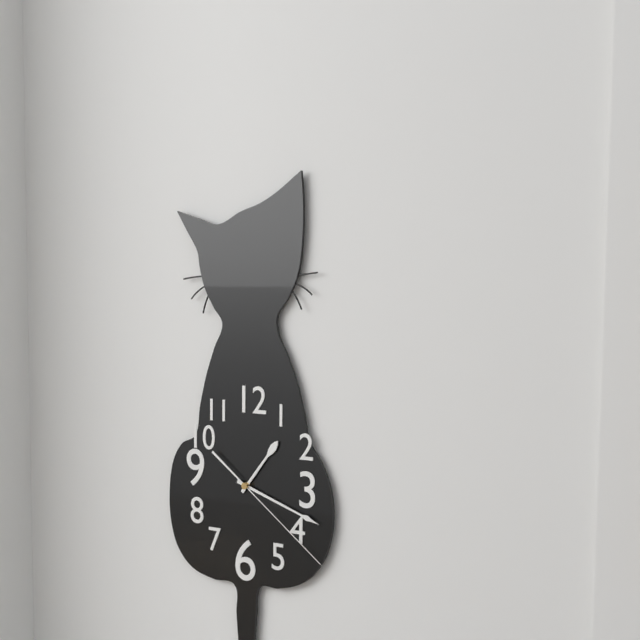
1:18:21
